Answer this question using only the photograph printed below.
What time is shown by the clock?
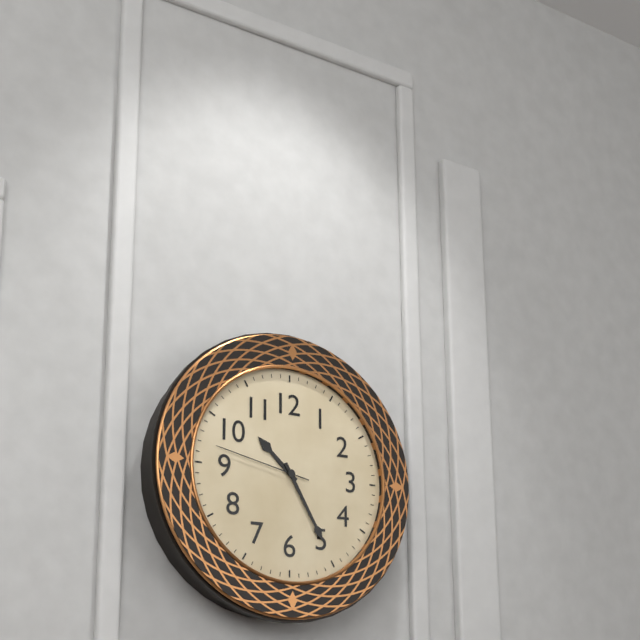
10:25:47
